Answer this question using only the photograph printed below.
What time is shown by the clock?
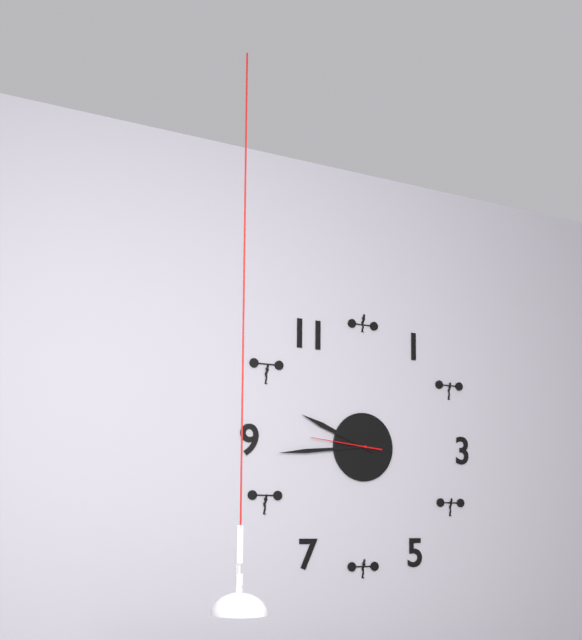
9:44:46
